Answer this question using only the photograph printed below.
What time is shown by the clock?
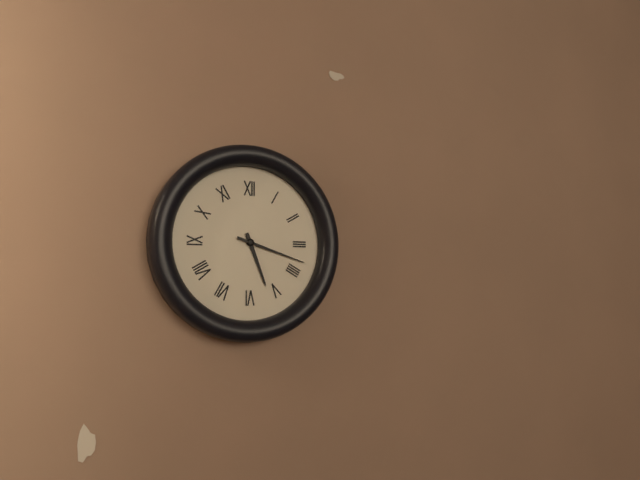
5:18
